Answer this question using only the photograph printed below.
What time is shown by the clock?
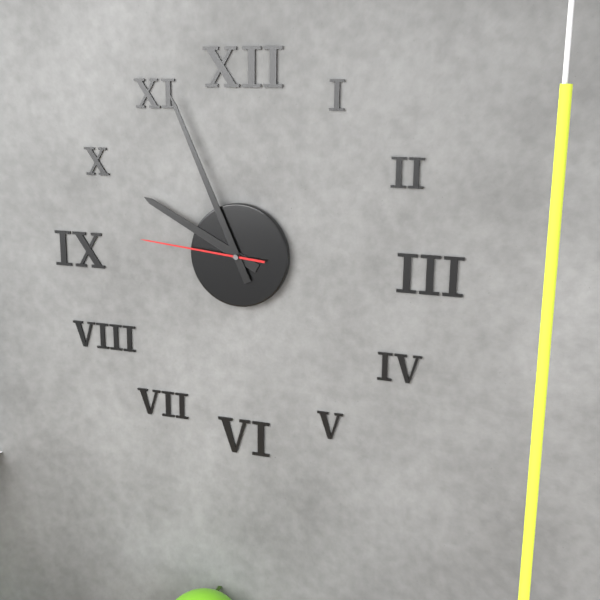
9:56:46
